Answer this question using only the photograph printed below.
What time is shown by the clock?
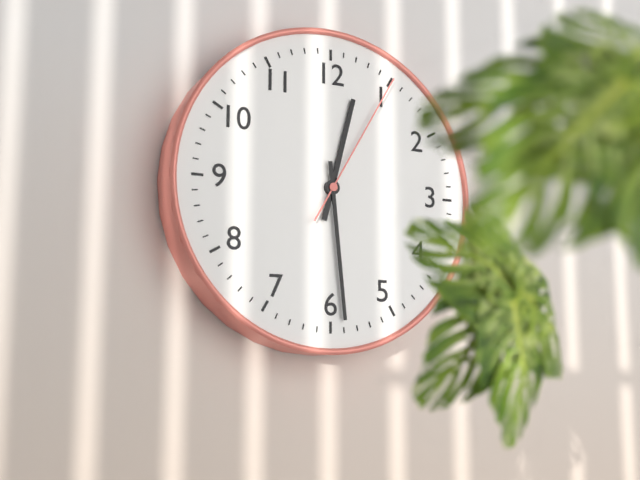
12:29:05
